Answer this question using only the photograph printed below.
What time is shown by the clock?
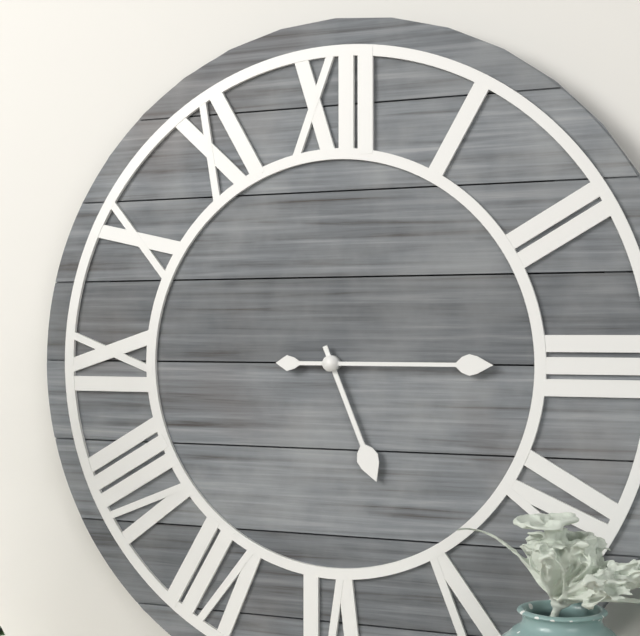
5:15
